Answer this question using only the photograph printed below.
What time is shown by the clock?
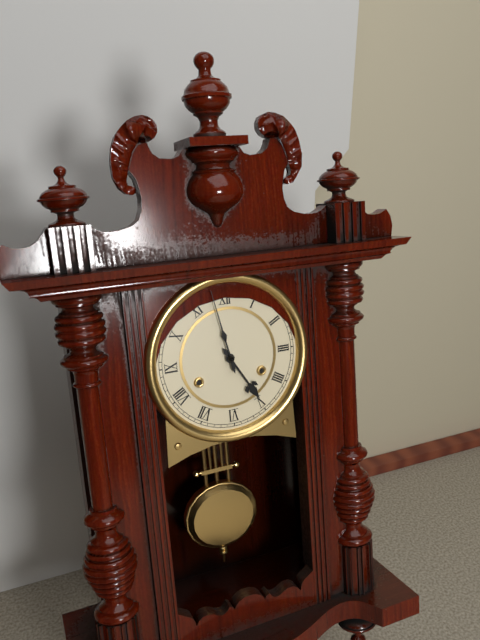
4:58
